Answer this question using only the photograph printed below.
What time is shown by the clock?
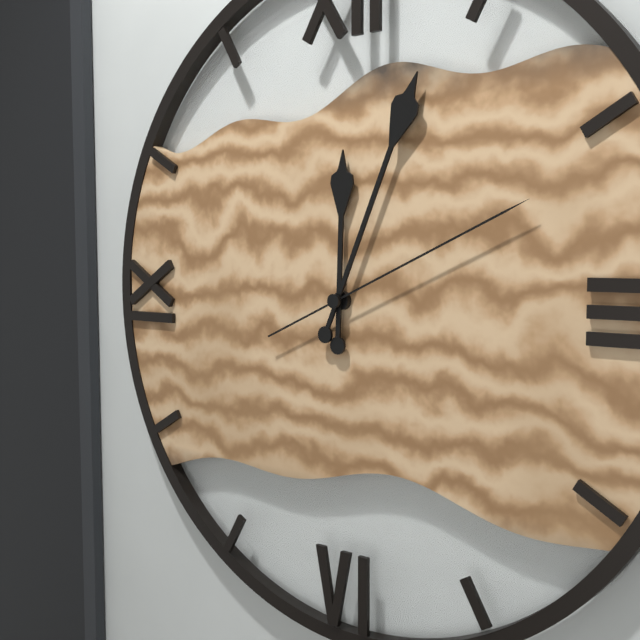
12:04:11
